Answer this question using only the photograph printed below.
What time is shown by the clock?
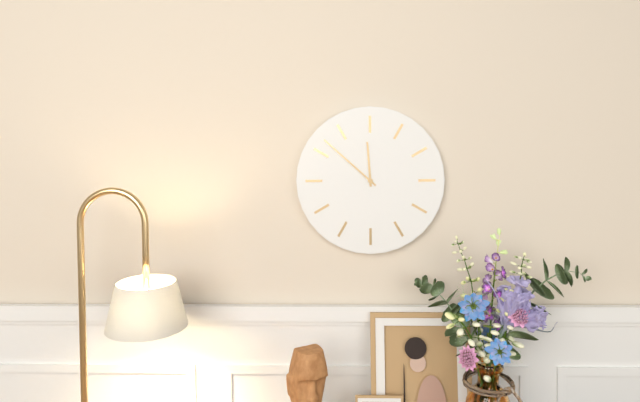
11:52
